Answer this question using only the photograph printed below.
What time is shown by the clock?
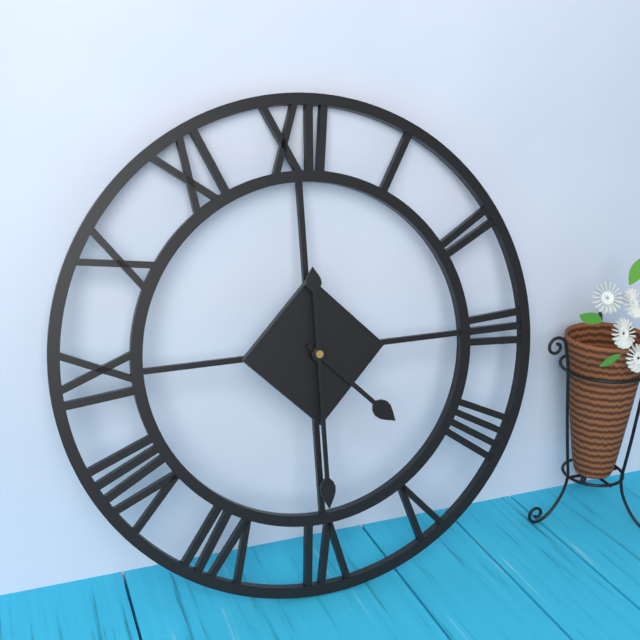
4:30
